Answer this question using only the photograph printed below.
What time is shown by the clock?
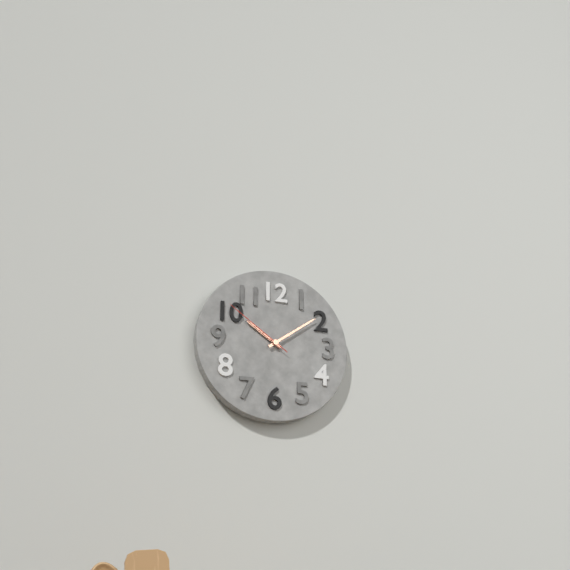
10:09:51
